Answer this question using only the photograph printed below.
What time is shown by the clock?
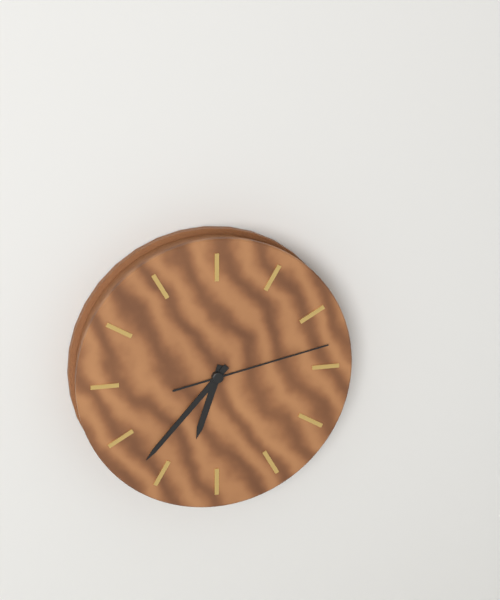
6:37:13
